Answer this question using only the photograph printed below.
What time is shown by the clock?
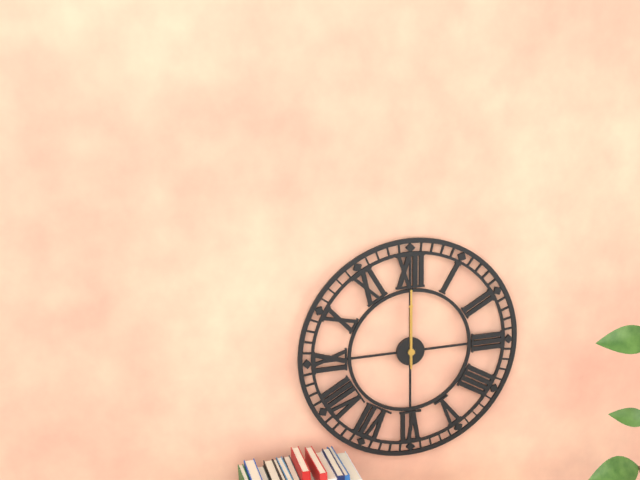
12:00
